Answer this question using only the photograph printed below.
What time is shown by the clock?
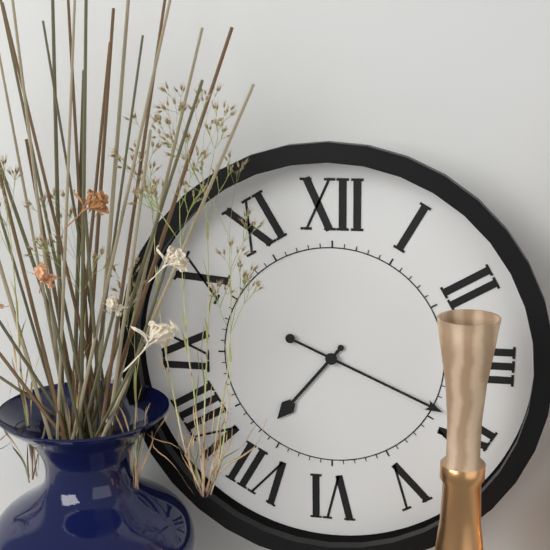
7:19
